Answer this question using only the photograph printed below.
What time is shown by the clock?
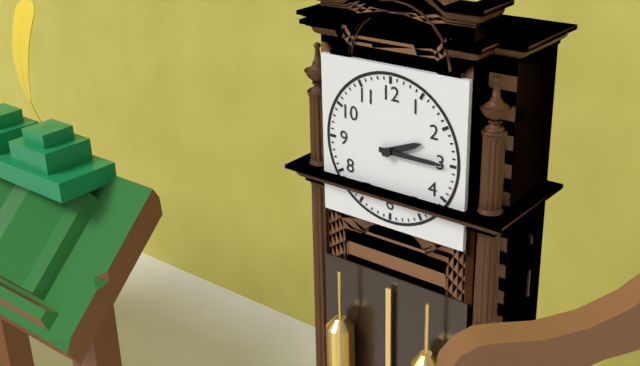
2:15
